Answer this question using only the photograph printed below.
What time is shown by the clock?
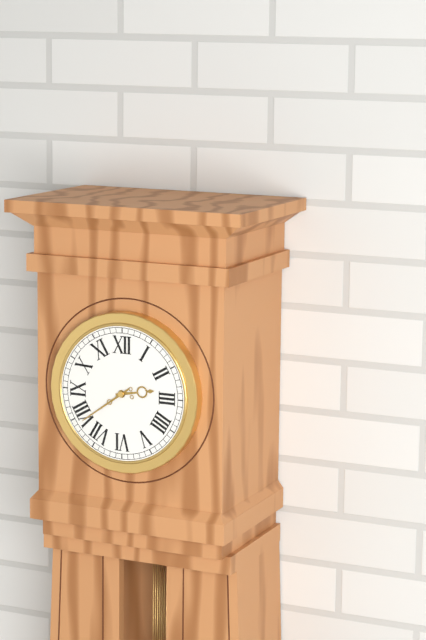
2:39
